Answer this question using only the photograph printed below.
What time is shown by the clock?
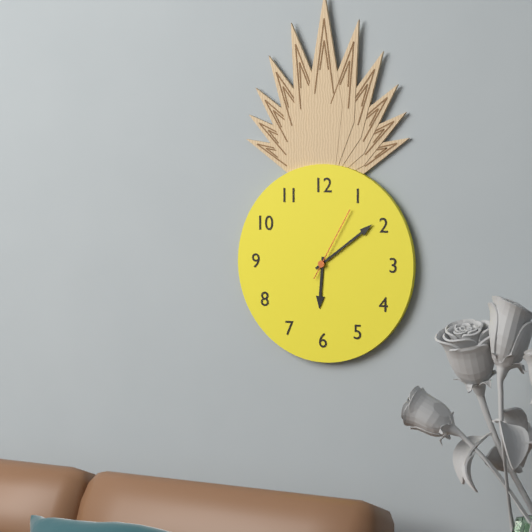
6:09:05
